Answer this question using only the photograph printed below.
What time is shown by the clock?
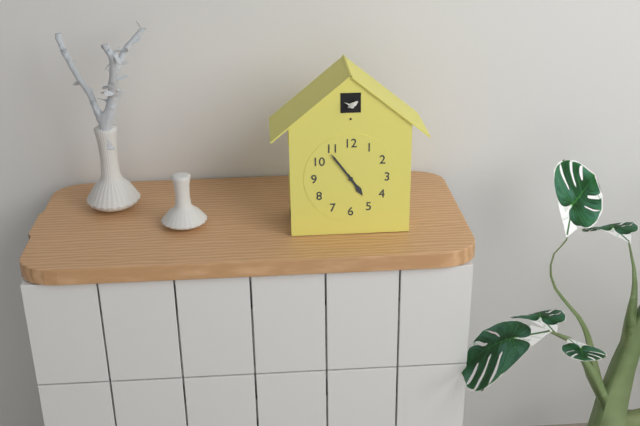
4:54
